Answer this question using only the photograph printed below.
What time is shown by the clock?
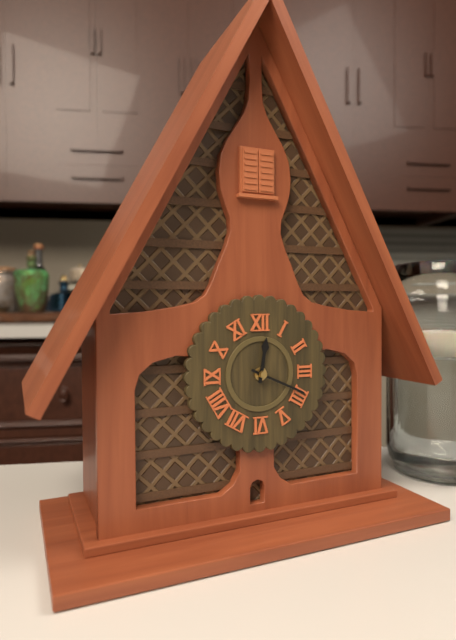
12:19
